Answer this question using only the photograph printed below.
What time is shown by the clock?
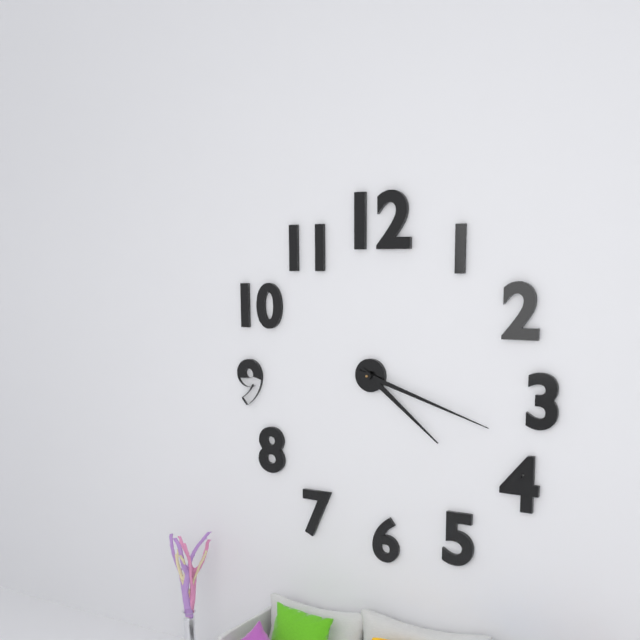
4:18
